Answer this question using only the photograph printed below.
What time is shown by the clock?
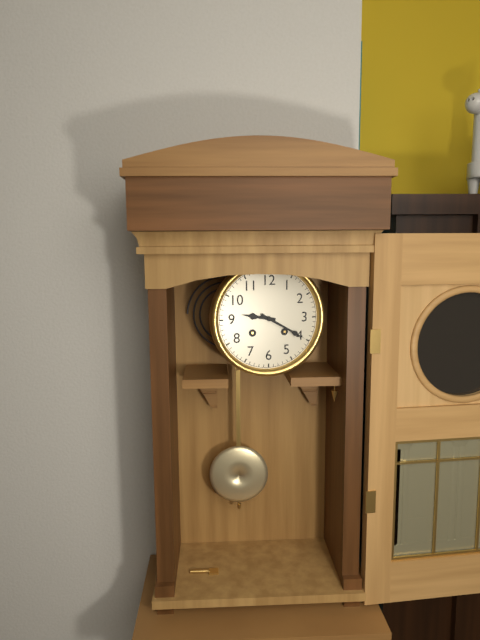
9:20
